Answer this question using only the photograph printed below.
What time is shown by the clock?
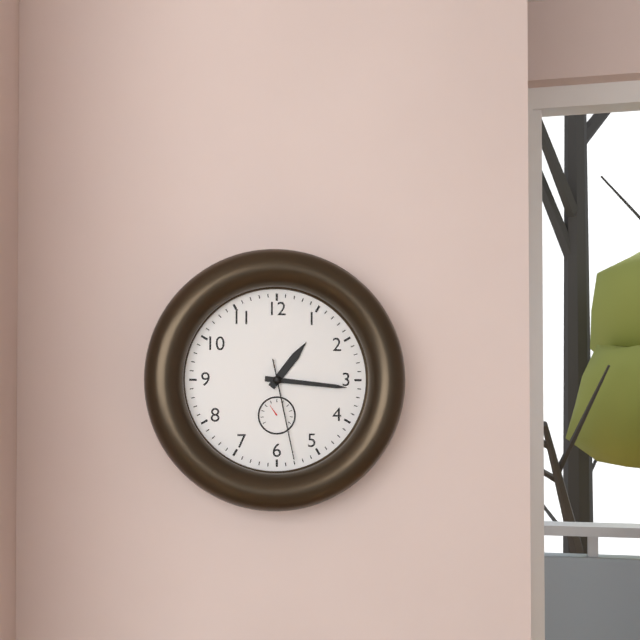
1:16:28
